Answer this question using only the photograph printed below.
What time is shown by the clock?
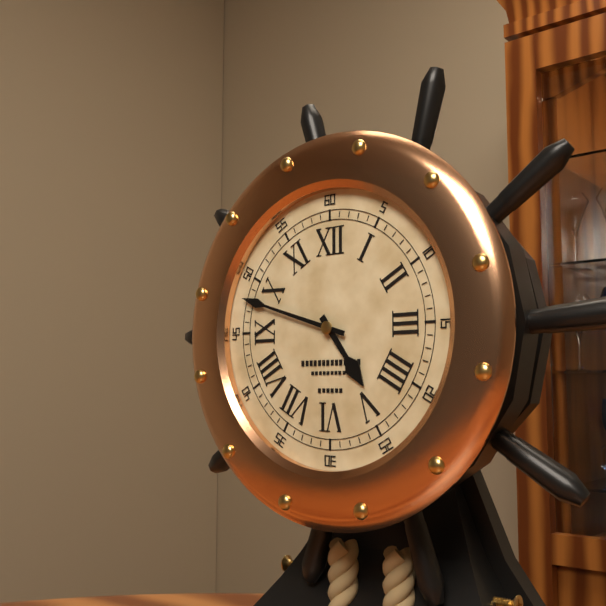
4:48
